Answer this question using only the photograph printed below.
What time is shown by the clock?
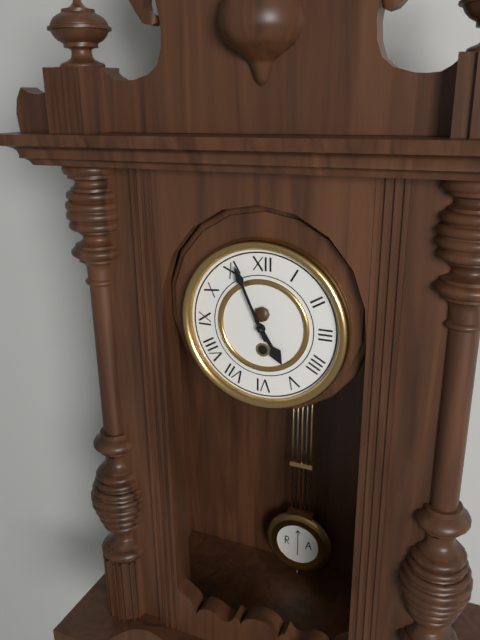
4:56
